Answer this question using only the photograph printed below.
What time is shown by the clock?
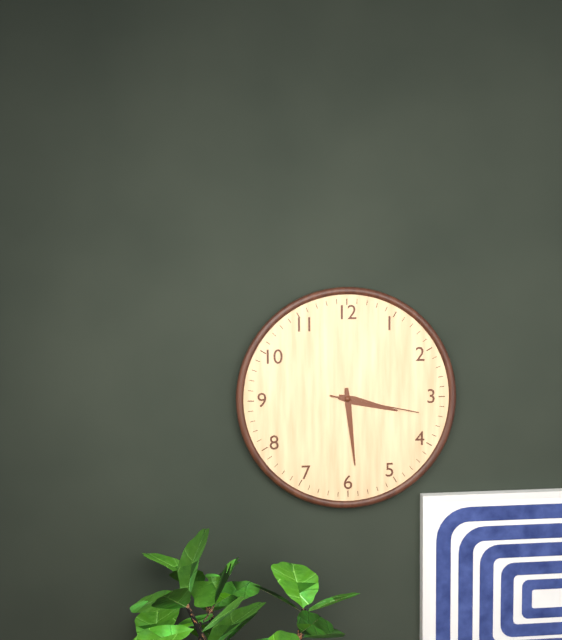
3:29:17
